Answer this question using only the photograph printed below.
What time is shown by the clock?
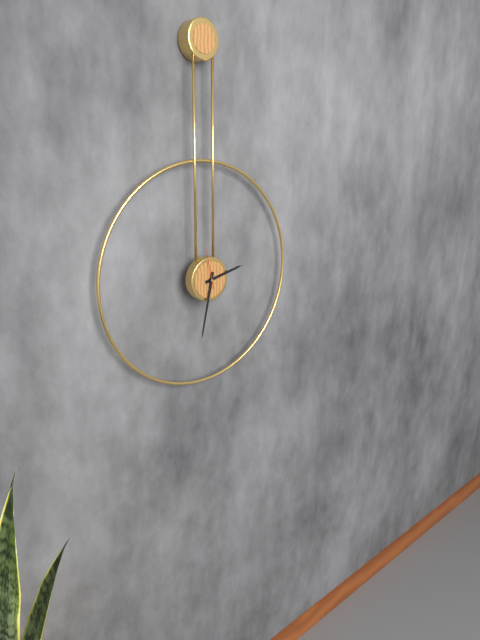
2:32
